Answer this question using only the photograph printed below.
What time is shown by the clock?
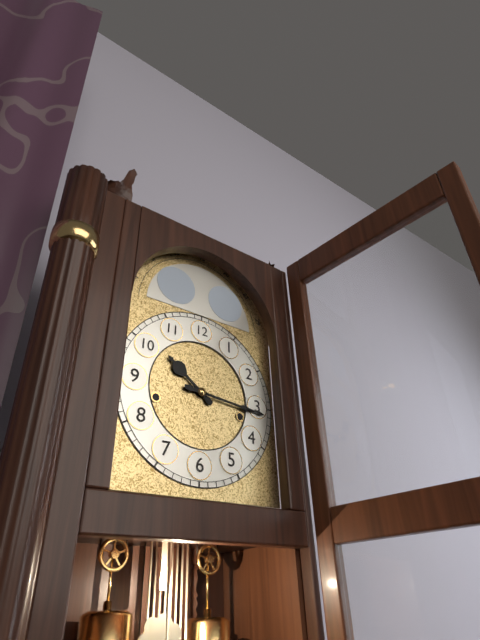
10:16
